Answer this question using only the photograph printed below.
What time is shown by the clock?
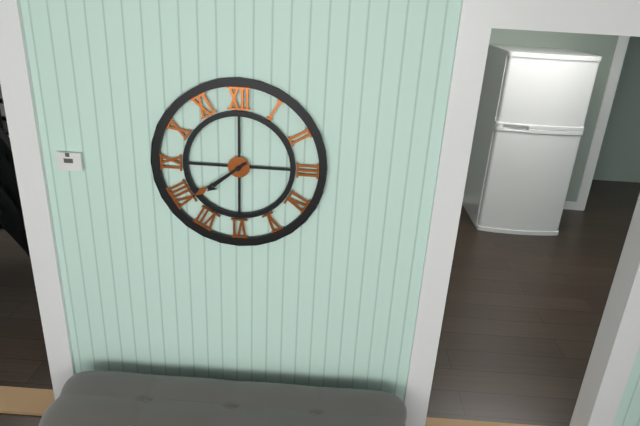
7:39
